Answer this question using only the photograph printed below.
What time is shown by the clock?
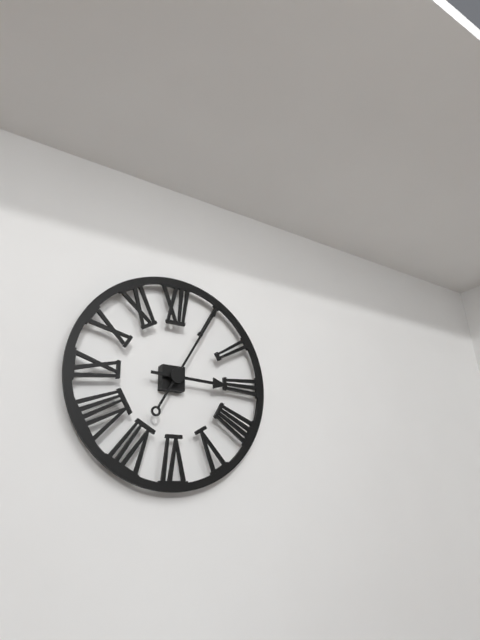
3:05
